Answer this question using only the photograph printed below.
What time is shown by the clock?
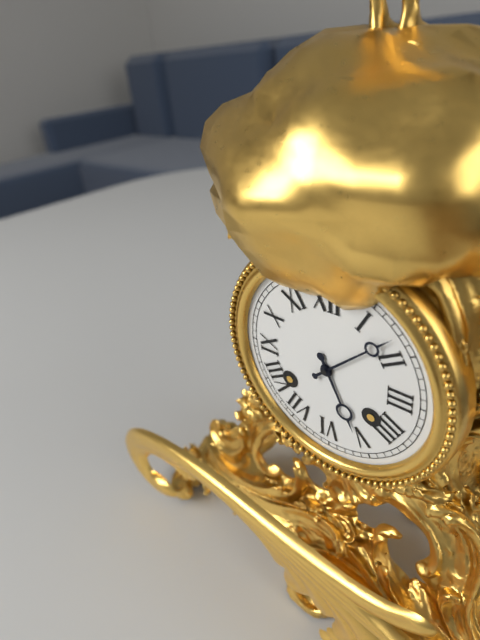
5:08
